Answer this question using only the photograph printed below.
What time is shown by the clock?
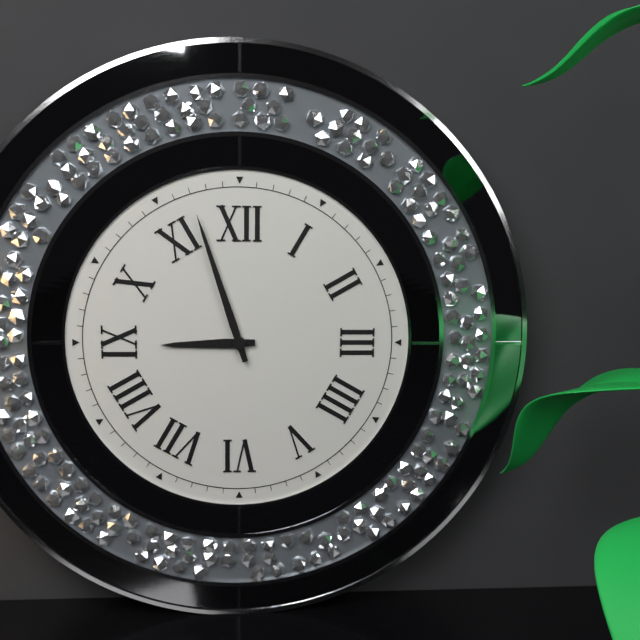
8:57
